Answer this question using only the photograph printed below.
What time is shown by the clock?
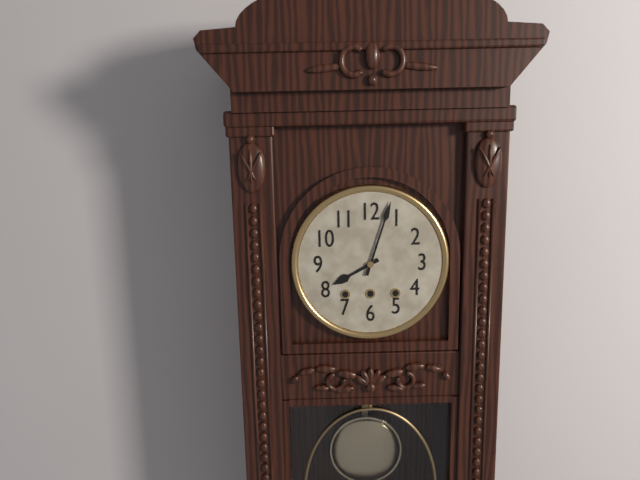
8:03
